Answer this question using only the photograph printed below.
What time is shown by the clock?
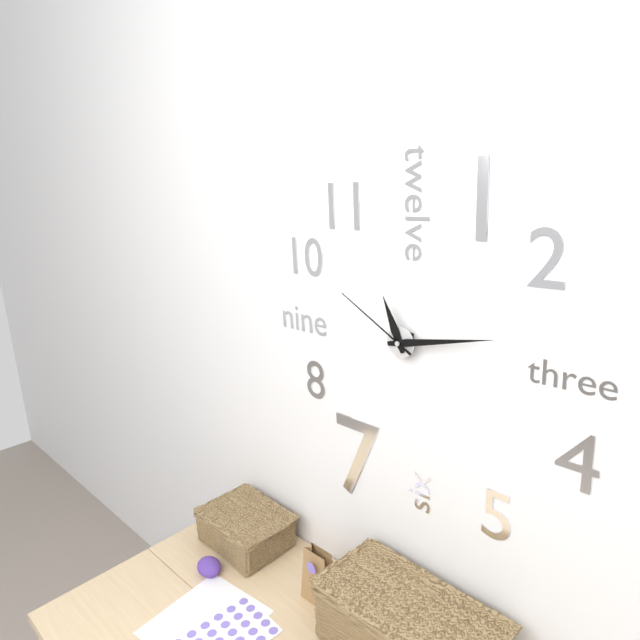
11:13:50
